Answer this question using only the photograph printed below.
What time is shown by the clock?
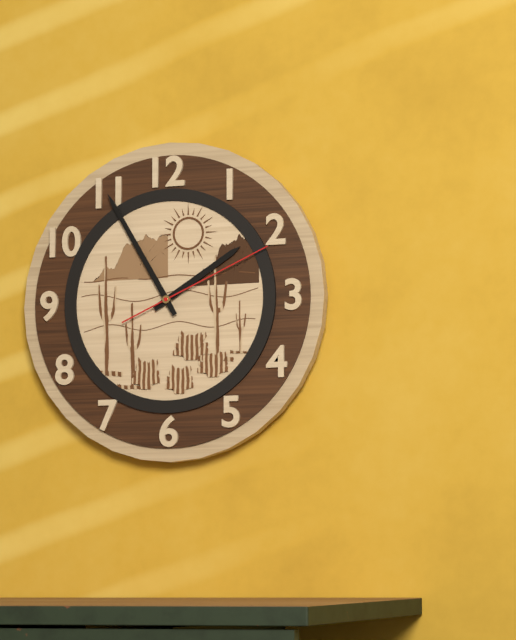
1:55:11
